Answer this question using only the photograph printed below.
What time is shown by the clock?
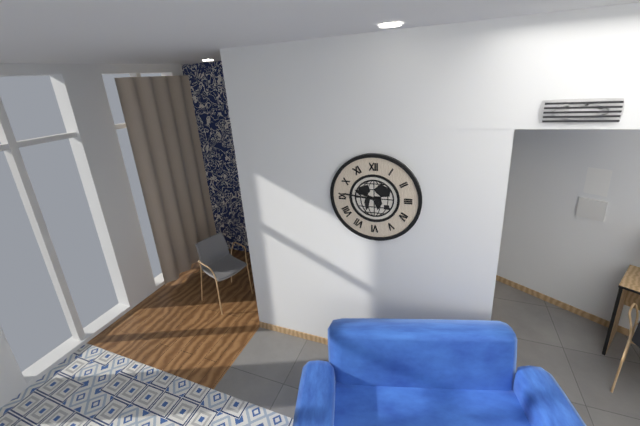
9:46
